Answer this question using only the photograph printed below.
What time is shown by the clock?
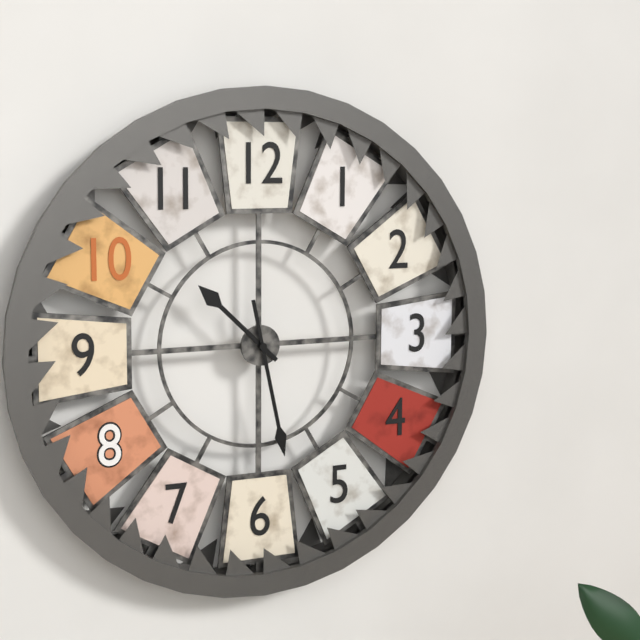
10:28
